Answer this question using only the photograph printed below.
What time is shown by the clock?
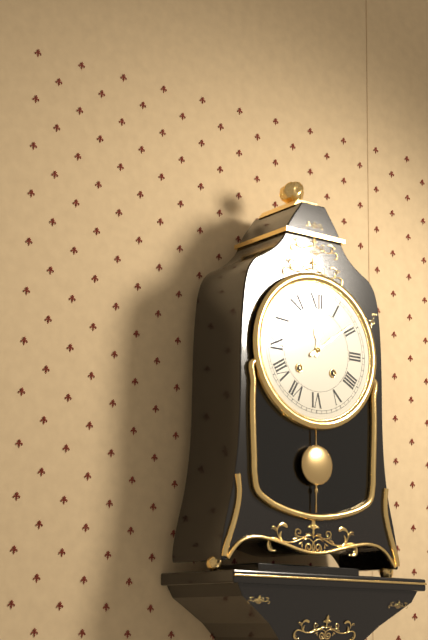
12:09
